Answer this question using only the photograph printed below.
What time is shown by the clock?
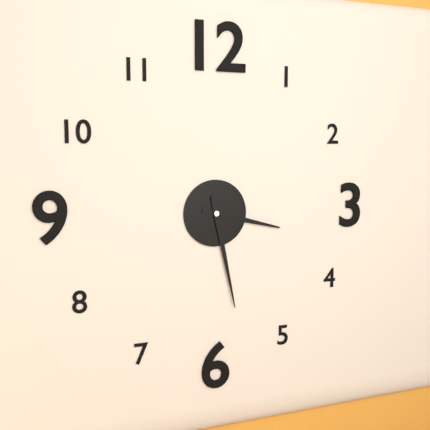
3:28
